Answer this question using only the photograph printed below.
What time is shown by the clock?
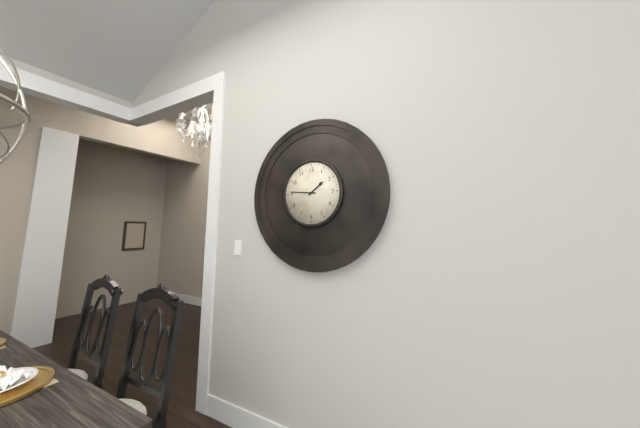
1:46
